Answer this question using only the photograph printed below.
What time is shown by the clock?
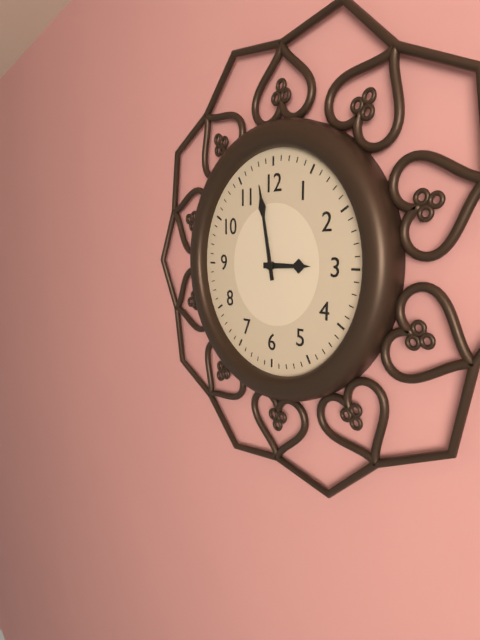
2:58
